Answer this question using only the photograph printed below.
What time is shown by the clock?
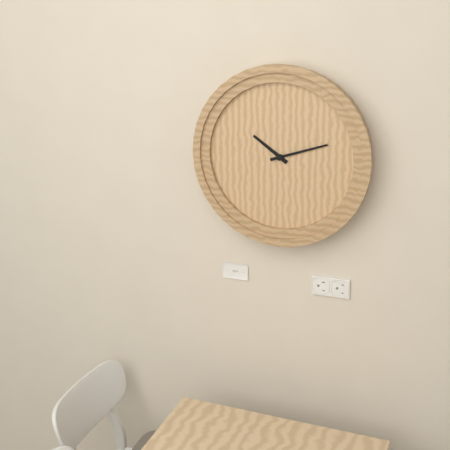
10:12
